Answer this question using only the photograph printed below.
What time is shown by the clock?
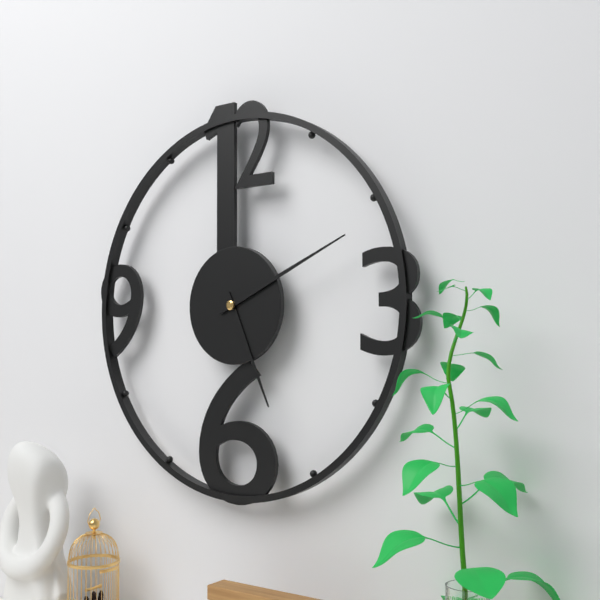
5:11
